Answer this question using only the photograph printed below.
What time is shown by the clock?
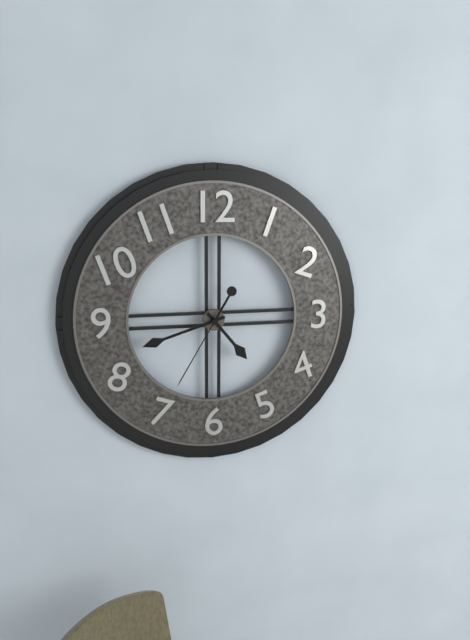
4:42:35
